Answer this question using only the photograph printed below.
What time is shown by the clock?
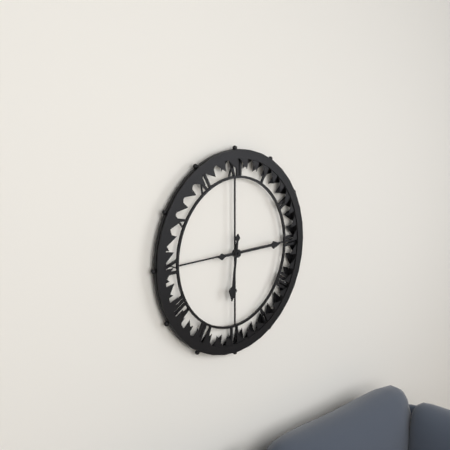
6:15
